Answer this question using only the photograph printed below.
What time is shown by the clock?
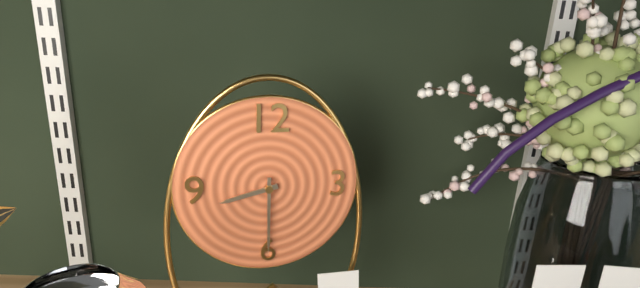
8:30
